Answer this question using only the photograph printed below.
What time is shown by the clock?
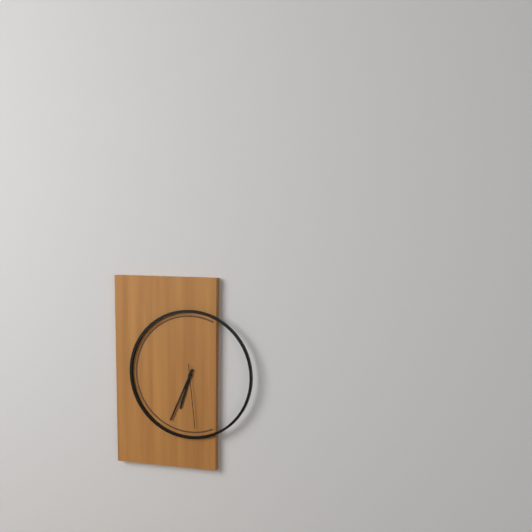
6:34:29
